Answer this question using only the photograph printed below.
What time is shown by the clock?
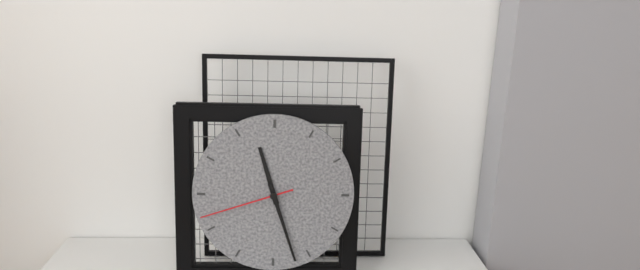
11:27:42
